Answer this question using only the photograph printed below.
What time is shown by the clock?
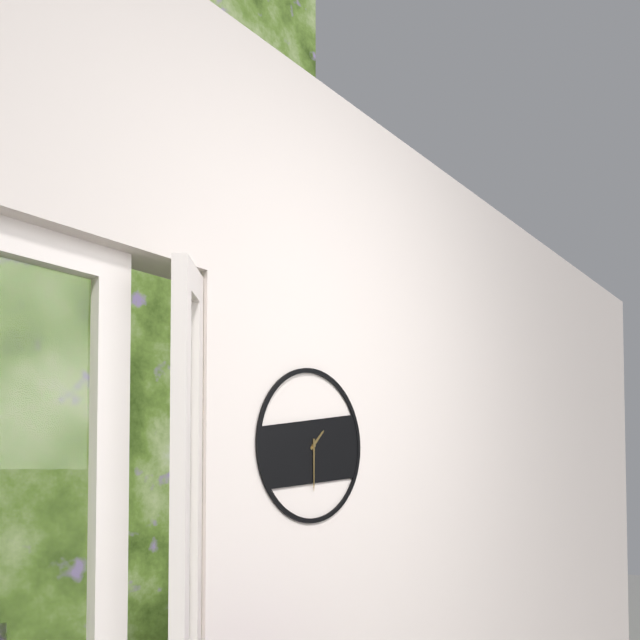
1:30
